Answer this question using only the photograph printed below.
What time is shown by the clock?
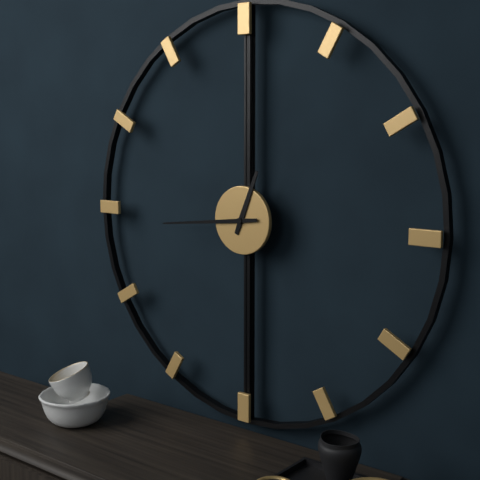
12:44
